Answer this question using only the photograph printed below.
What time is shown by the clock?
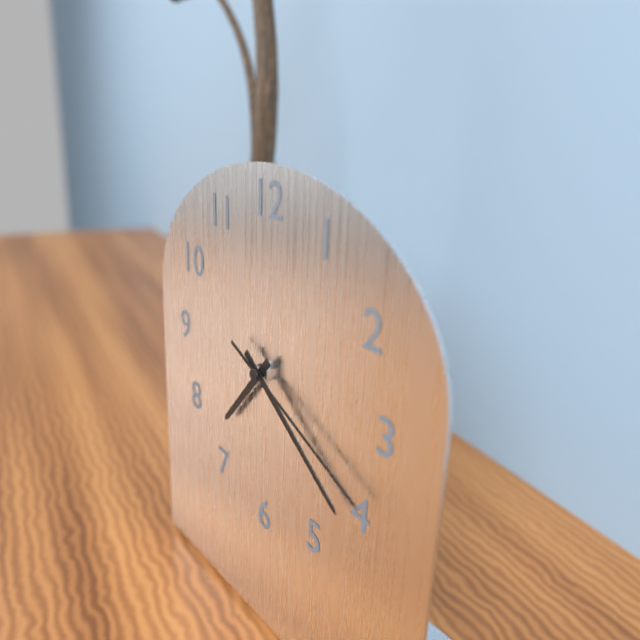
7:21:19
